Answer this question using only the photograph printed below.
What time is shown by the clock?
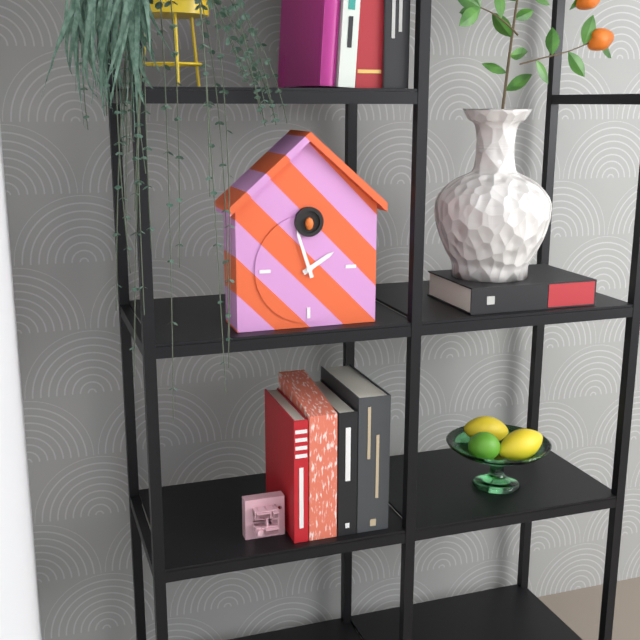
1:57
